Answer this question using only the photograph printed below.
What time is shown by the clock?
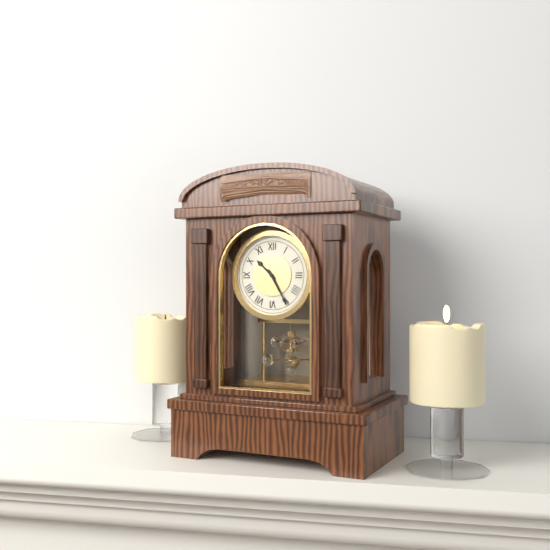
10:25
